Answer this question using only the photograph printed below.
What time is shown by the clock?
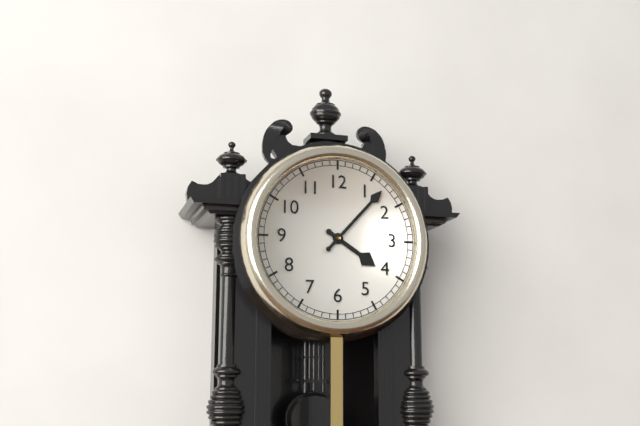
4:07
